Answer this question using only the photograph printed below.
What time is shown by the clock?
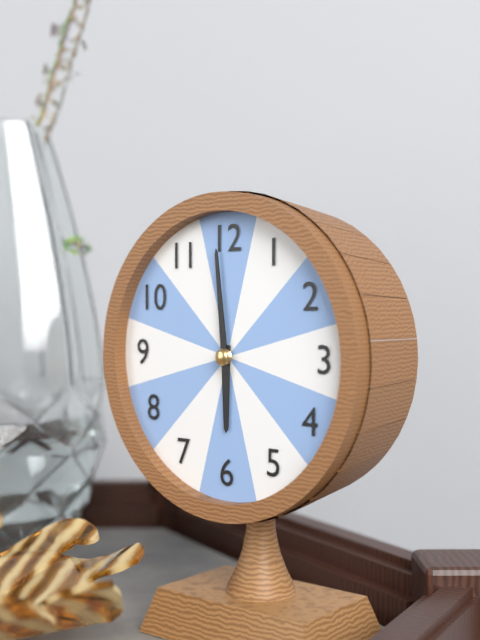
5:59
